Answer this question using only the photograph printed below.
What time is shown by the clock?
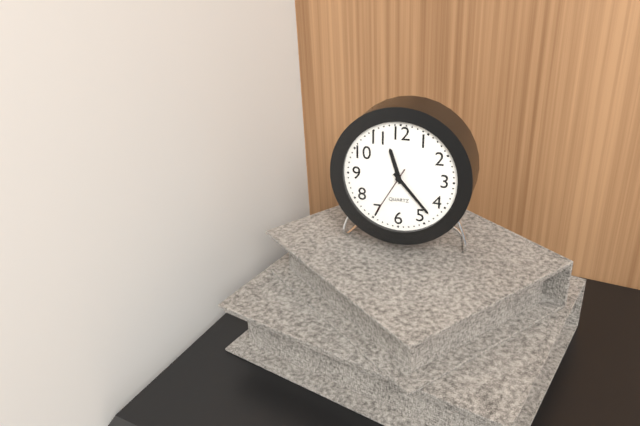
11:23:35
